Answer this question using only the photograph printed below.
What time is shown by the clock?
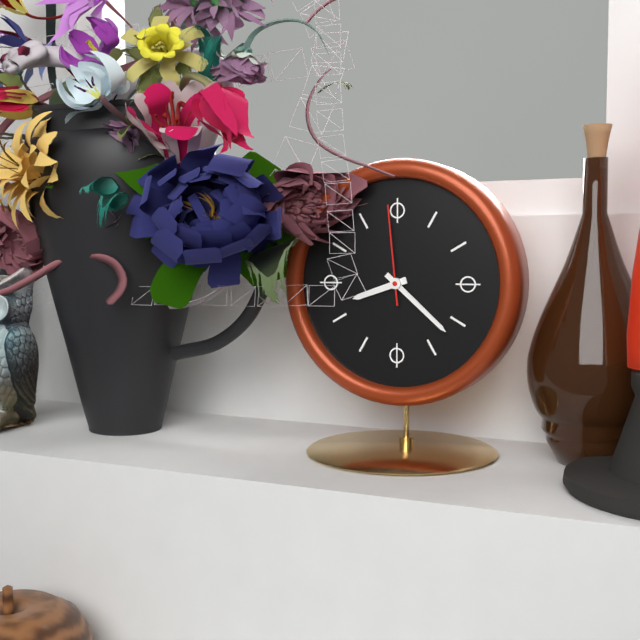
8:22:59
